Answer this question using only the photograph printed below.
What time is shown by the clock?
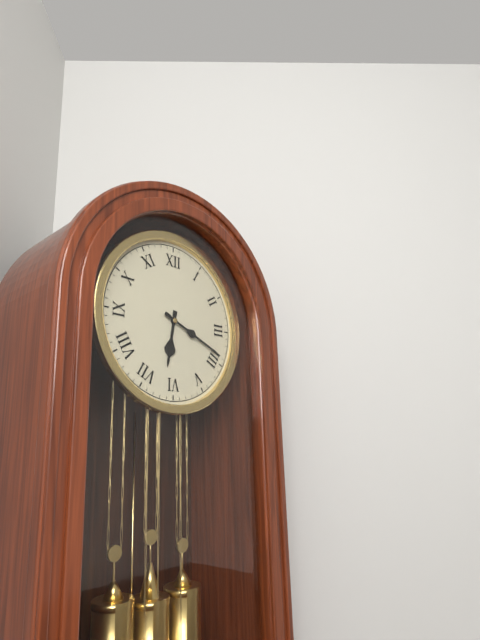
6:19
